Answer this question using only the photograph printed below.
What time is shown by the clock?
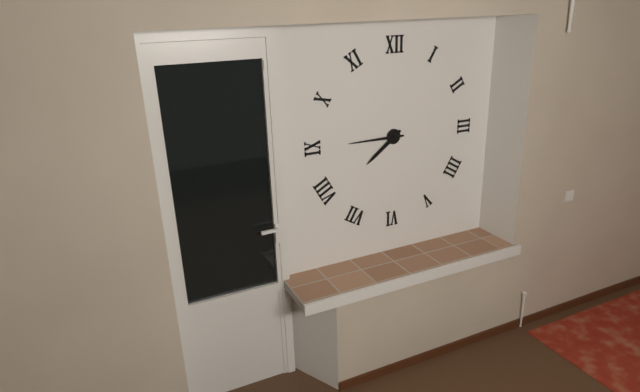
7:45
